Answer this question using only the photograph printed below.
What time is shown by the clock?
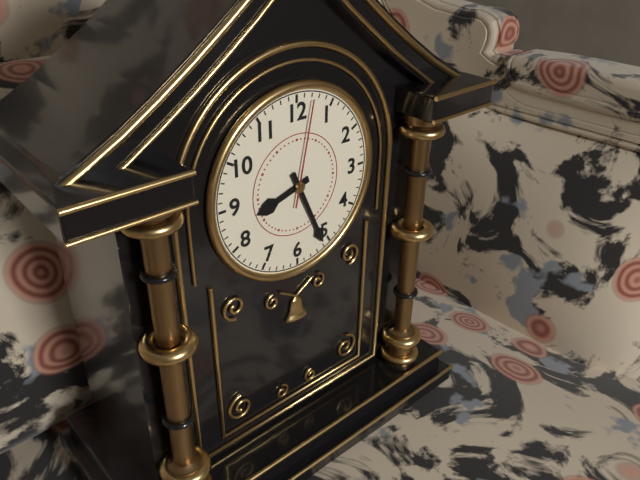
8:26:02
